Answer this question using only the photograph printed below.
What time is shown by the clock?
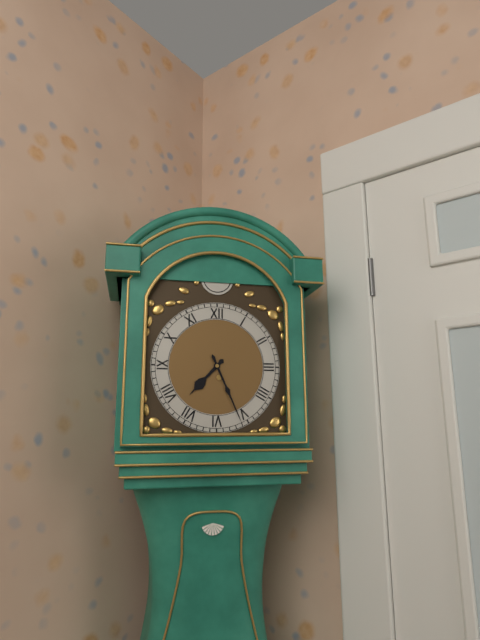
7:26
